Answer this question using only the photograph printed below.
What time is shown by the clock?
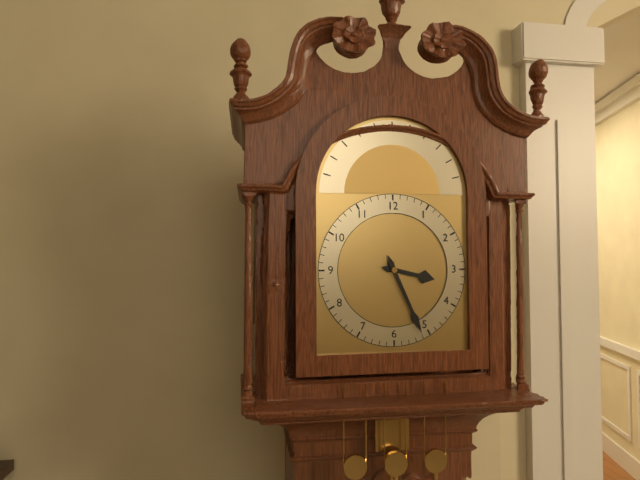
3:26
